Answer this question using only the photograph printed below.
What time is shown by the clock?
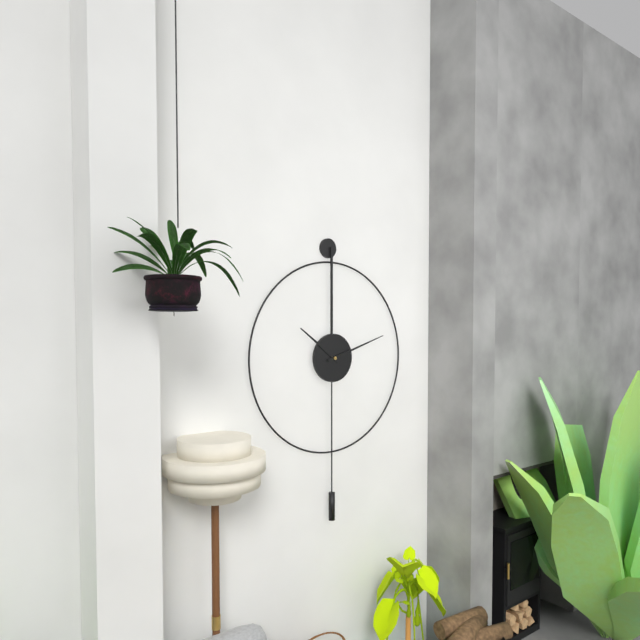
10:12
